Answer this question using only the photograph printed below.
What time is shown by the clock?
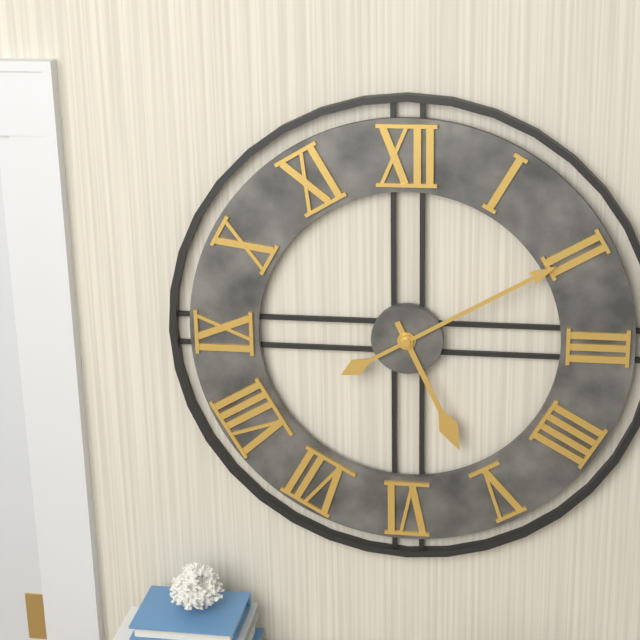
5:10
